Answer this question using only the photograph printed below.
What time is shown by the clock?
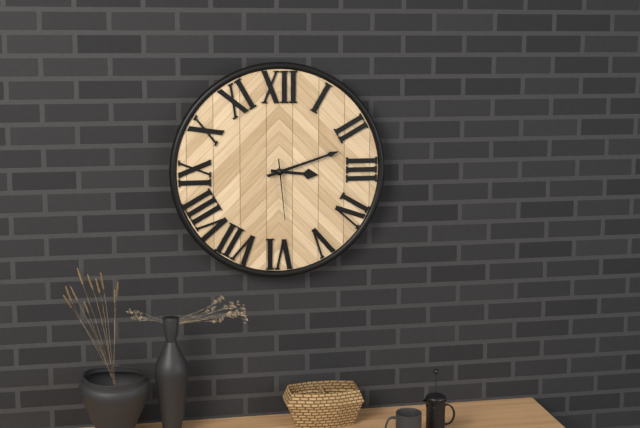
3:12:29
